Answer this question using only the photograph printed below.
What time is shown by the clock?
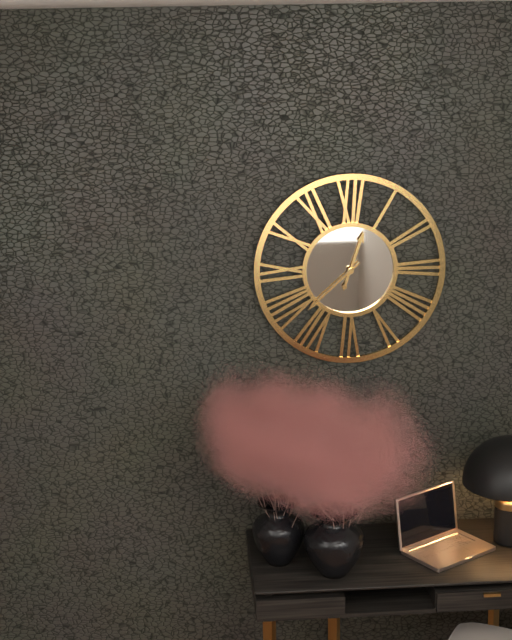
12:38
